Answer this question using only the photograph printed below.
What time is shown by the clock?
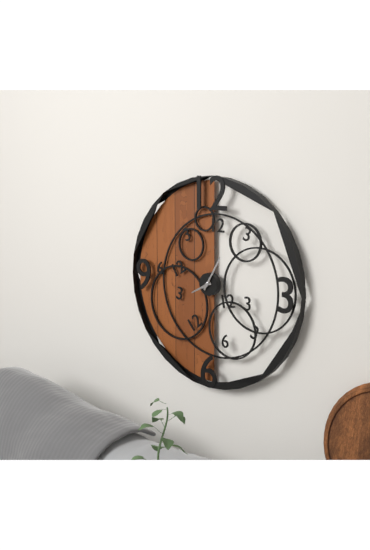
8:05
